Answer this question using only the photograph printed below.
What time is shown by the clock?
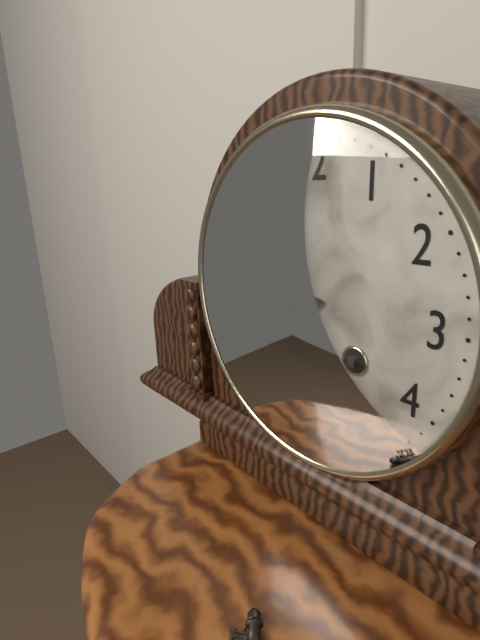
8:27
